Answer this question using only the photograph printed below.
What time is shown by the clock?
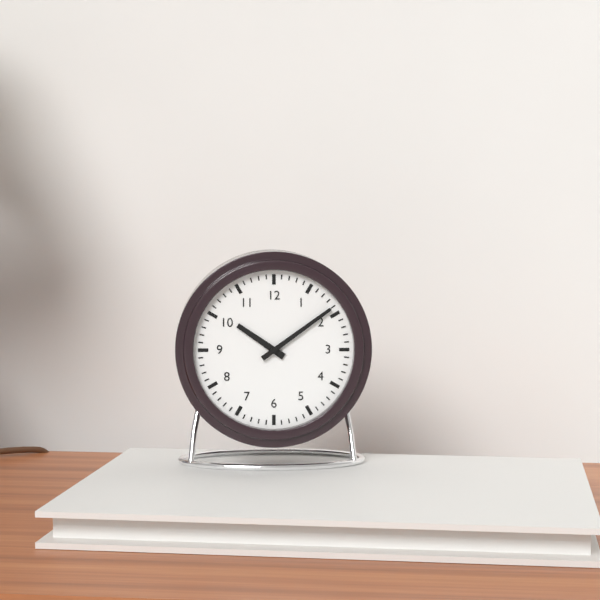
10:09
